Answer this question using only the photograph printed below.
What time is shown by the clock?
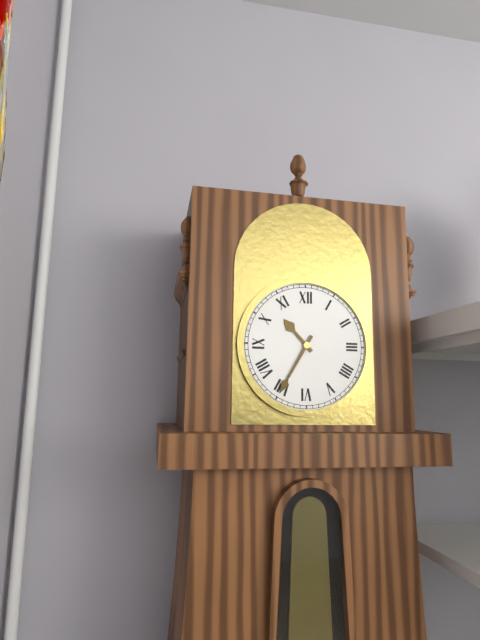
10:35
